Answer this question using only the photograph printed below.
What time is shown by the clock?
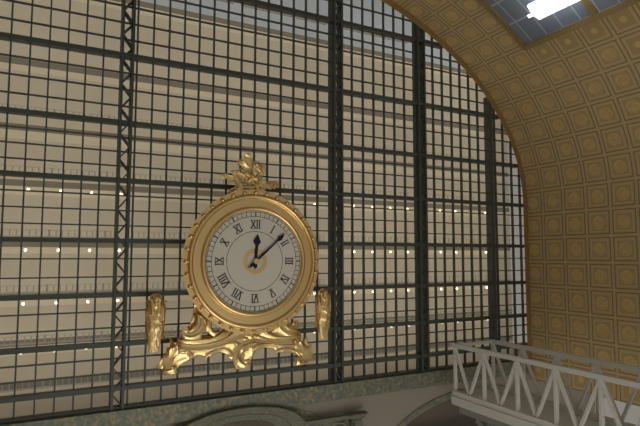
12:08
